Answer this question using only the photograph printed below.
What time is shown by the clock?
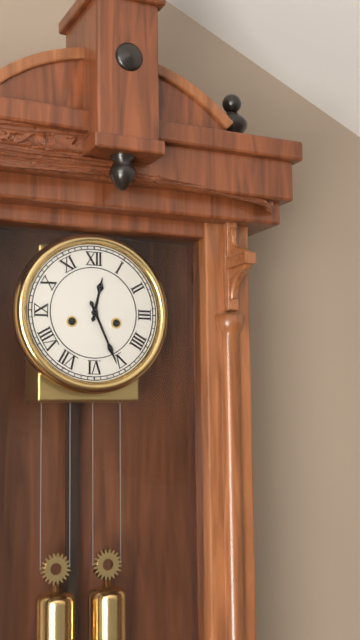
12:26
